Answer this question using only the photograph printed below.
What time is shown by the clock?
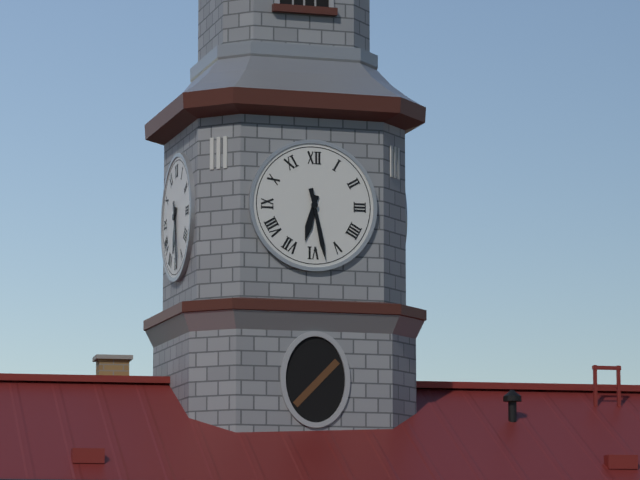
6:28
